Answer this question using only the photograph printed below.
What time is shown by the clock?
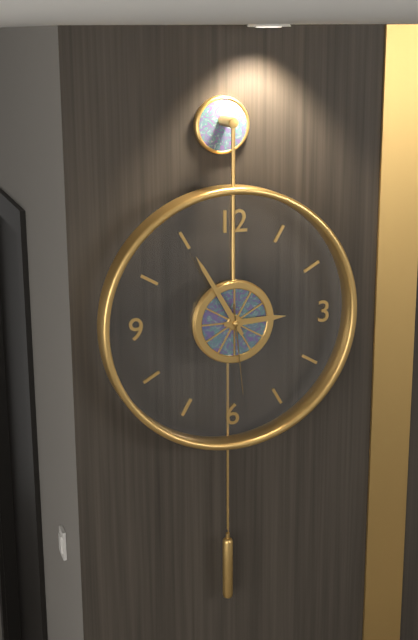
2:55:29
